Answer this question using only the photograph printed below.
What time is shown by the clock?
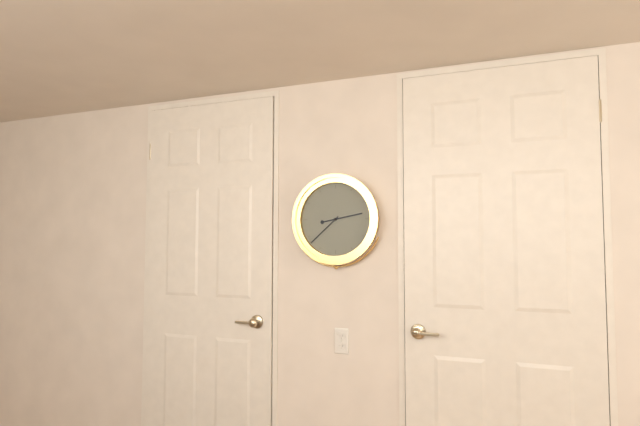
2:38
